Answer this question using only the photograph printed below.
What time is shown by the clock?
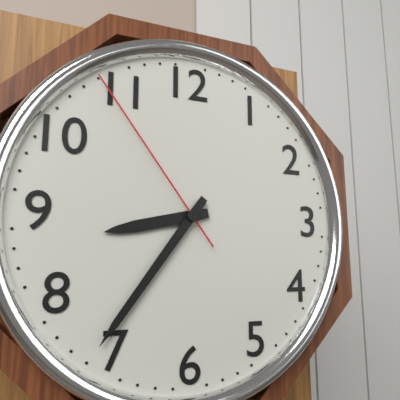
8:36:54
